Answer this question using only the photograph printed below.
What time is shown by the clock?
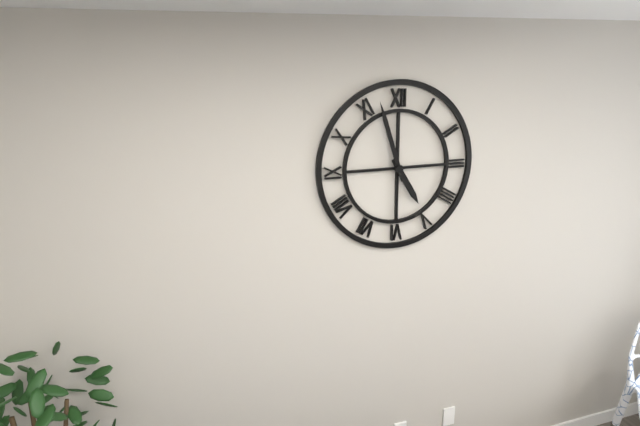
4:57
